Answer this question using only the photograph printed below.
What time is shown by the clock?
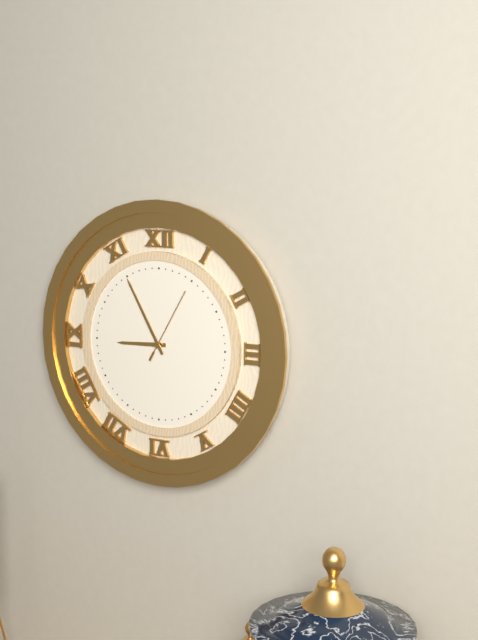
8:55:05
